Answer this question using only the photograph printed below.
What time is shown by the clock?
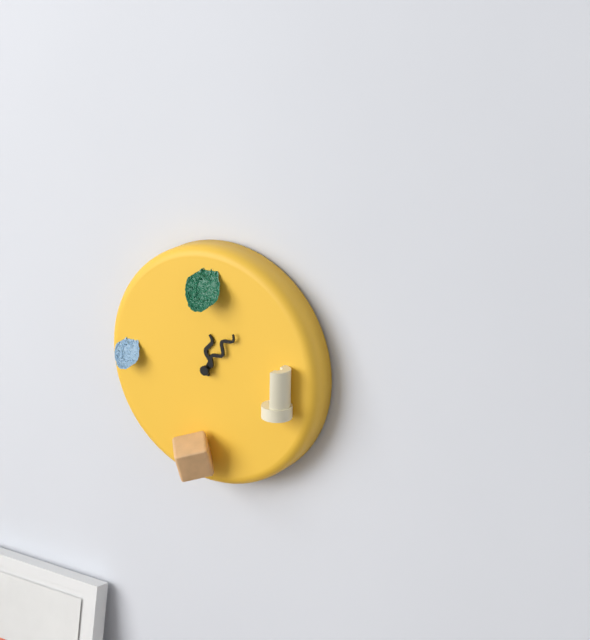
12:06
